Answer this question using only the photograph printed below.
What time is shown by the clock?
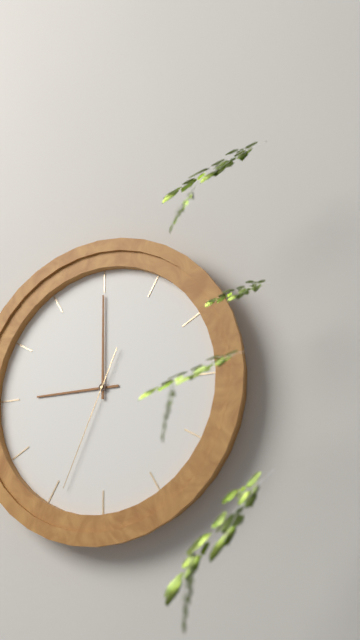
9:00:34
